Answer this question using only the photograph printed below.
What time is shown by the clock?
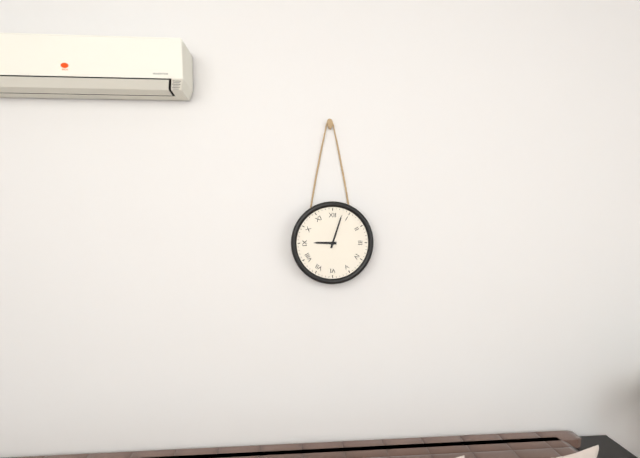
9:03
